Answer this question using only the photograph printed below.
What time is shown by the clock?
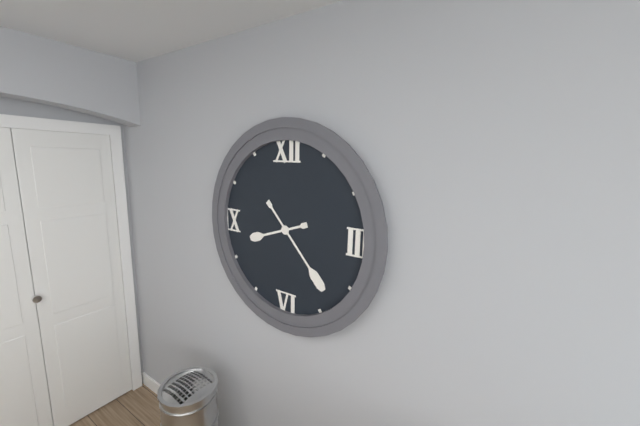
8:23
